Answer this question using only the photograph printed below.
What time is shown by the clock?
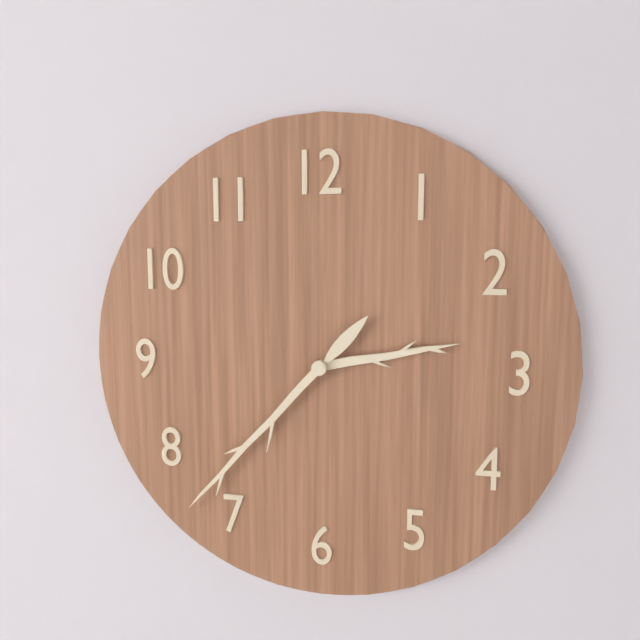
2:37
